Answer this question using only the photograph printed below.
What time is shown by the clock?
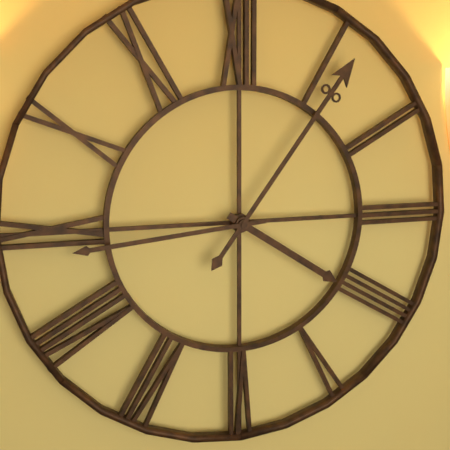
4:06:44
